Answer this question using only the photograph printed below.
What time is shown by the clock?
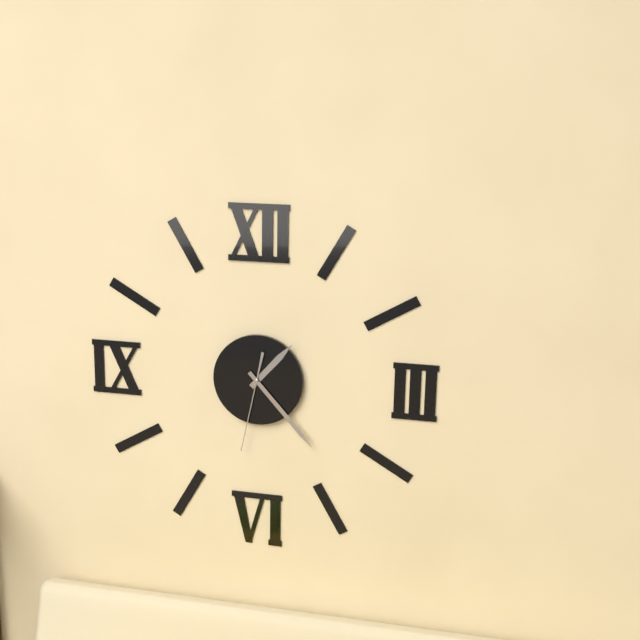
1:23:32
